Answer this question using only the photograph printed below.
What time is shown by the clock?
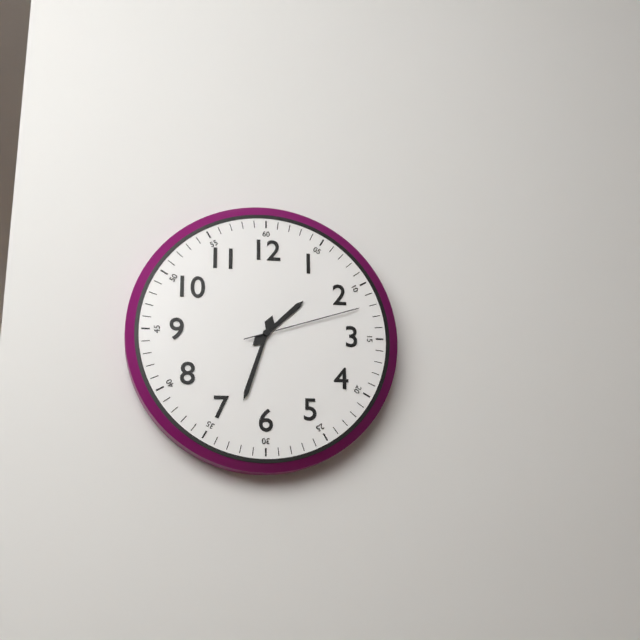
1:33:12
